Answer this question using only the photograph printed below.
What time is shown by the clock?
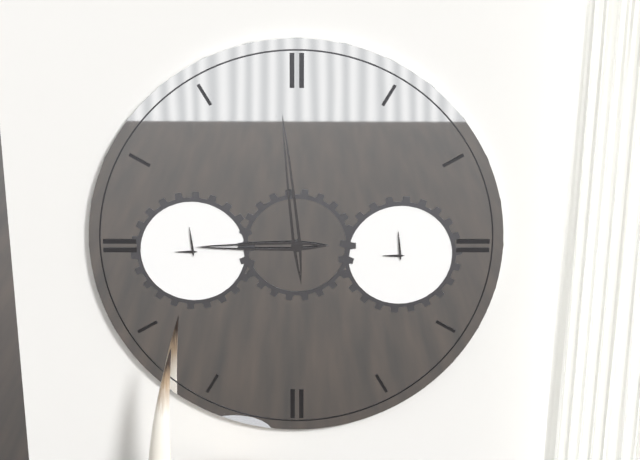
8:59
